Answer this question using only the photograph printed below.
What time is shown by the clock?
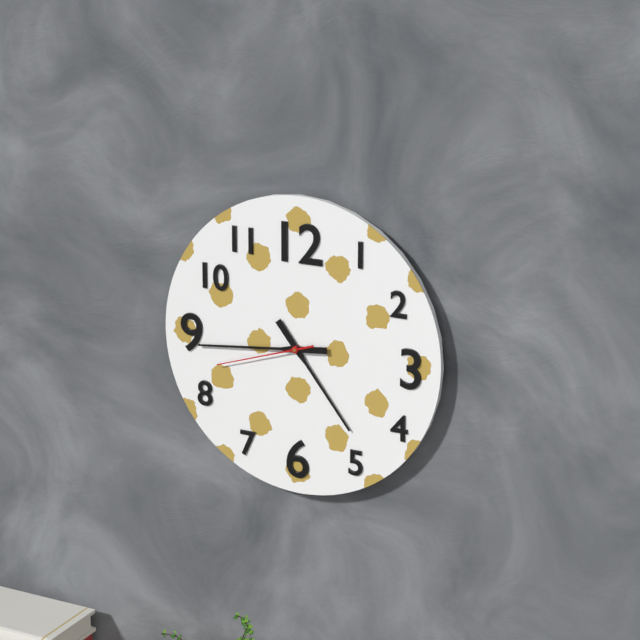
4:44:42
